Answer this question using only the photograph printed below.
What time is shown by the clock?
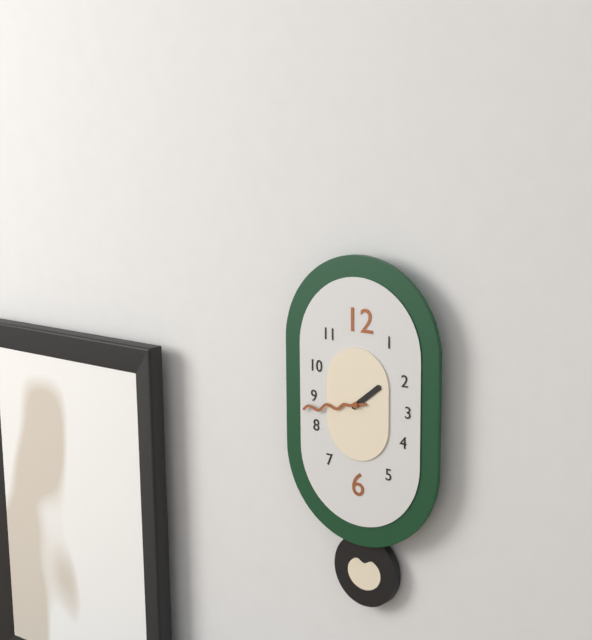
1:43
